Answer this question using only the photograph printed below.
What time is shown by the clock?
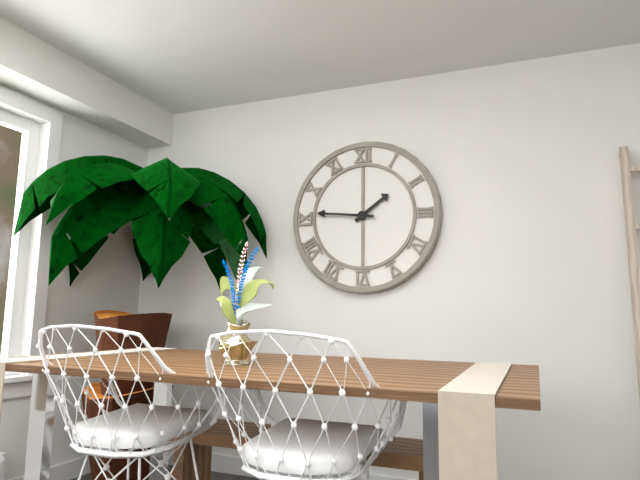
1:46
